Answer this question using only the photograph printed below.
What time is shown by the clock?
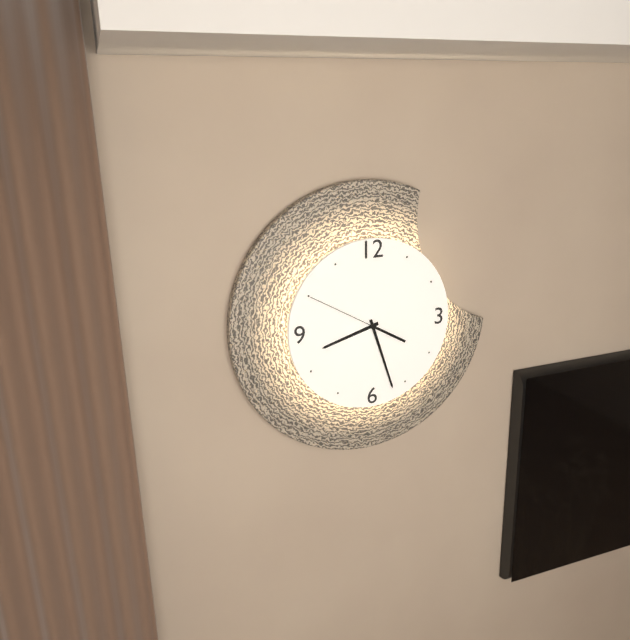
8:27:50
